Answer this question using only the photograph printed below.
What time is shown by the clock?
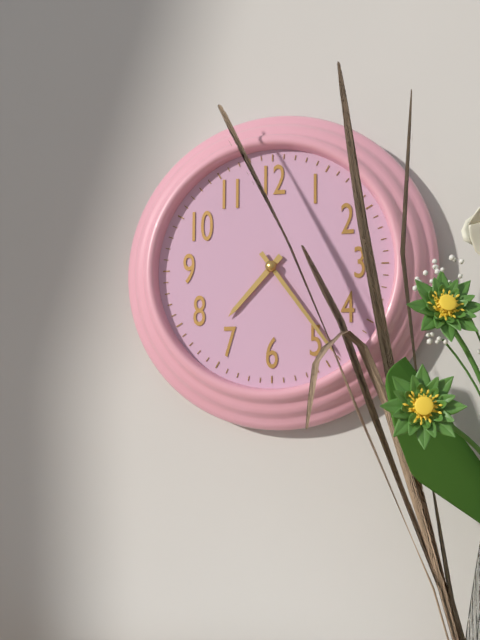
7:24
